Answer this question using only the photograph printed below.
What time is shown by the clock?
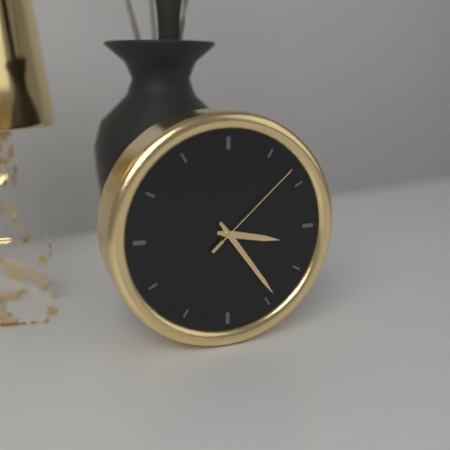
3:24:08
